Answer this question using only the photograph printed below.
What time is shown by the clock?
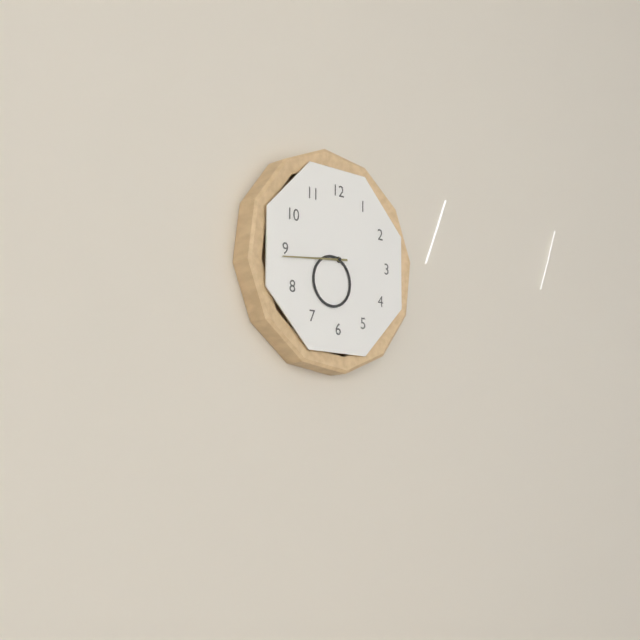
6:44
